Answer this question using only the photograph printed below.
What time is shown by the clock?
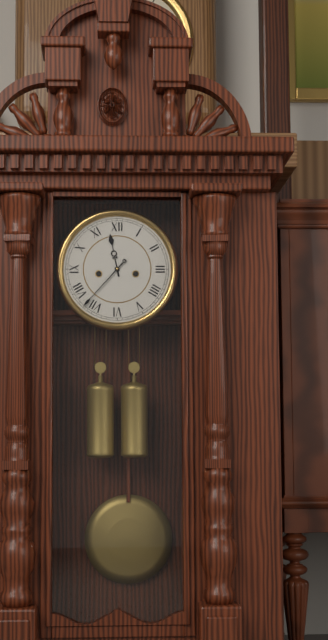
11:37
